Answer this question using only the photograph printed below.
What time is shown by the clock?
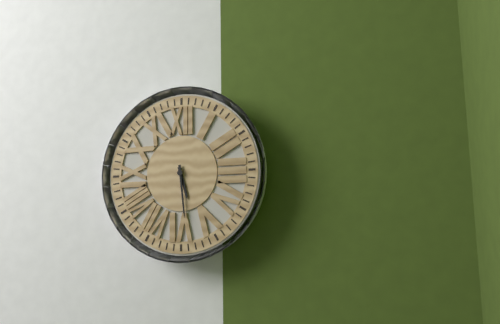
5:29
